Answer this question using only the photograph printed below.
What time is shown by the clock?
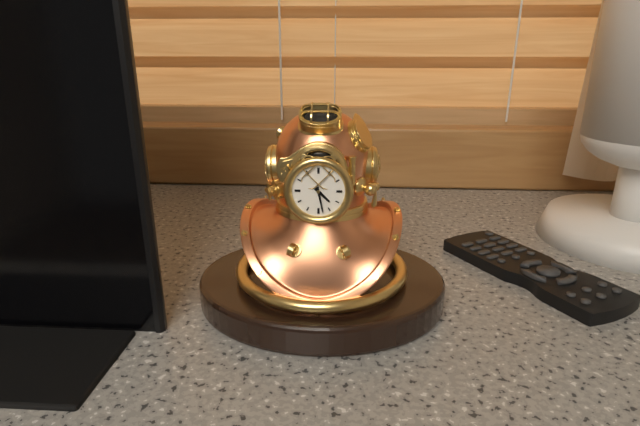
4:28
